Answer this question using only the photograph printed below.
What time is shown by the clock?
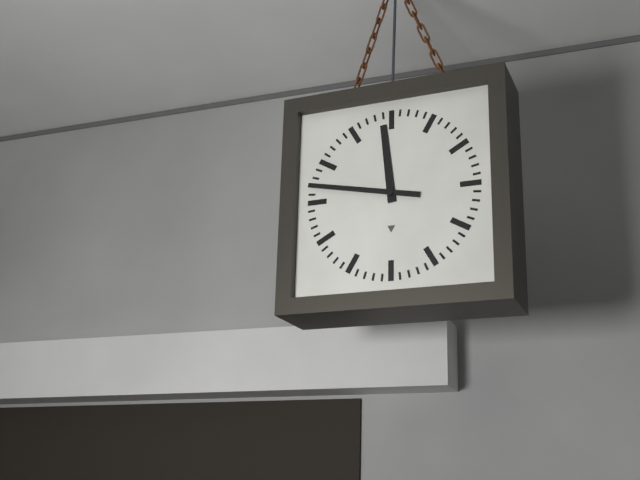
11:47
